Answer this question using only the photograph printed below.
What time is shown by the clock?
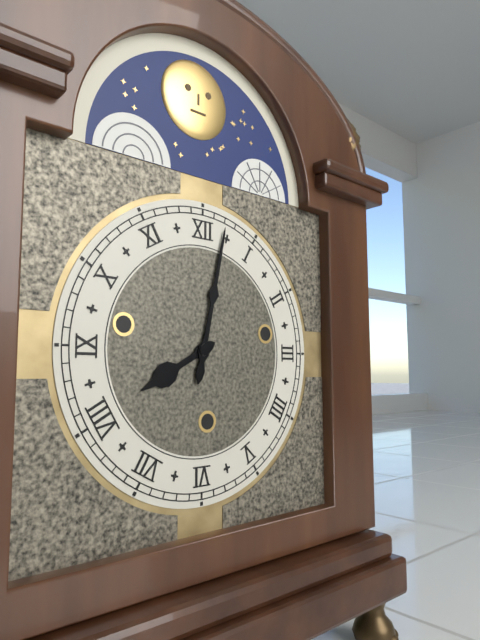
8:02
